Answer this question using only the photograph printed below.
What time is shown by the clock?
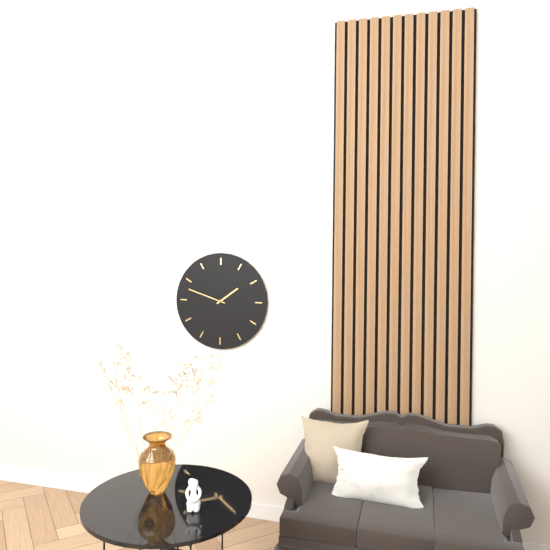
1:48
